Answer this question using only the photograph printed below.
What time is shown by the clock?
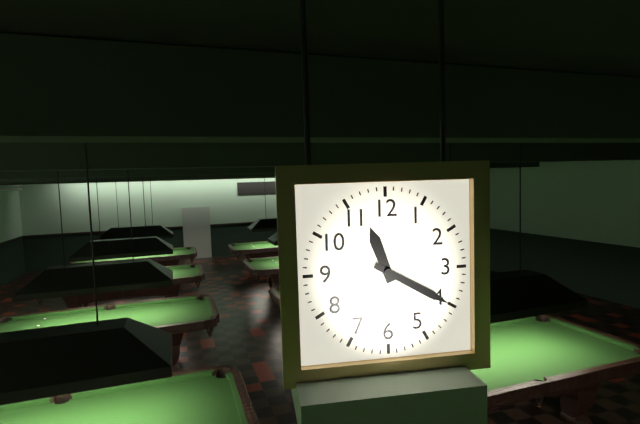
11:20
